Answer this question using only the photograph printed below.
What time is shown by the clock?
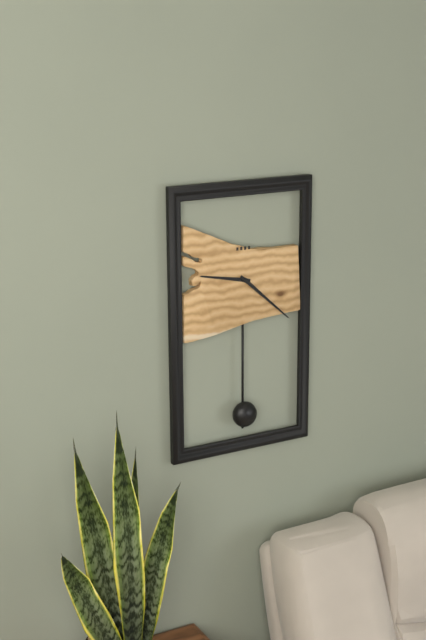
9:22
